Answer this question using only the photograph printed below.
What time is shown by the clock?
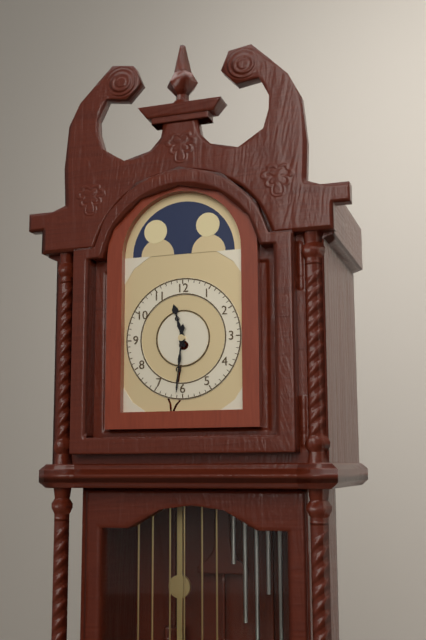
11:31
